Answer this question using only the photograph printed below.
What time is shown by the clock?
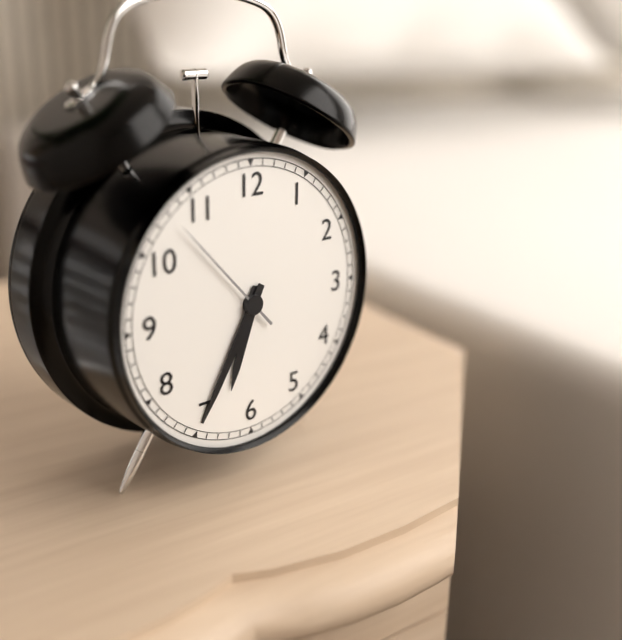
6:35:53
